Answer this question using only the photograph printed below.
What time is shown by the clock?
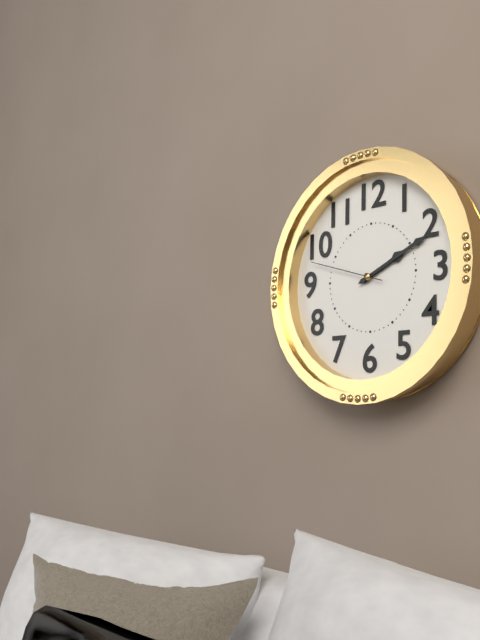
2:11:48
